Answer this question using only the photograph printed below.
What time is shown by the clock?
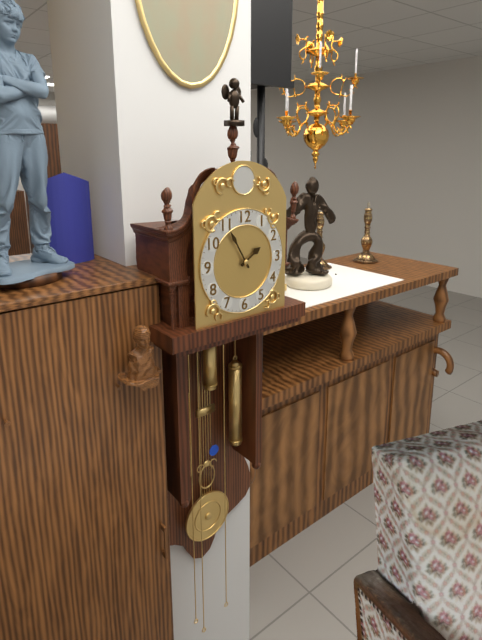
1:55
